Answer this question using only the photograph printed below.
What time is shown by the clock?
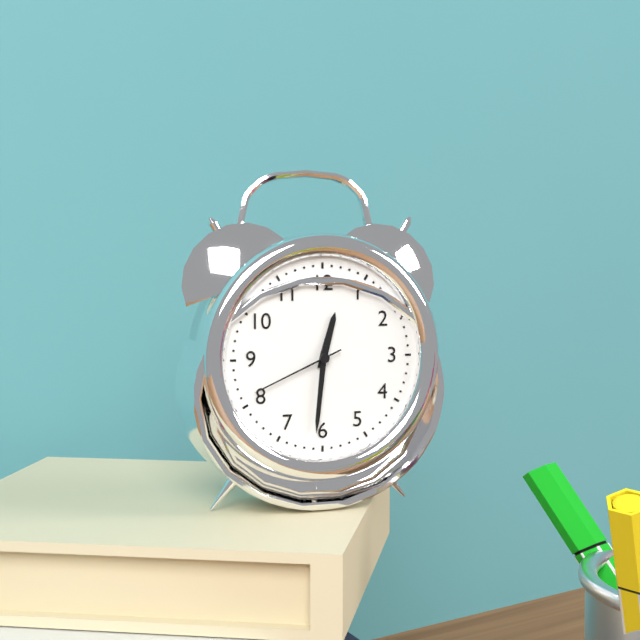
12:31:41
